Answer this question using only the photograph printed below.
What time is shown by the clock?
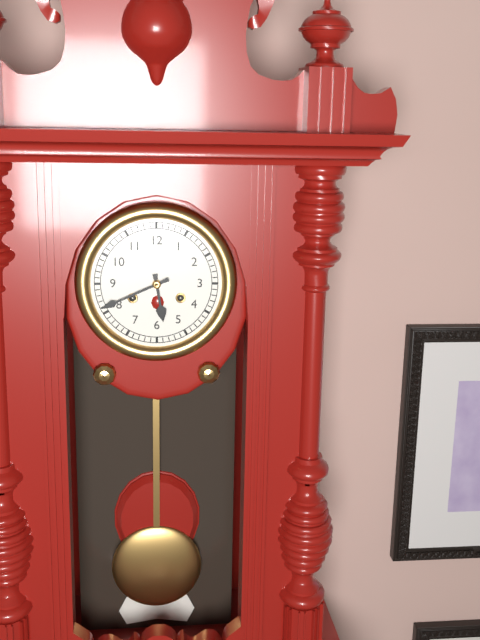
5:41
